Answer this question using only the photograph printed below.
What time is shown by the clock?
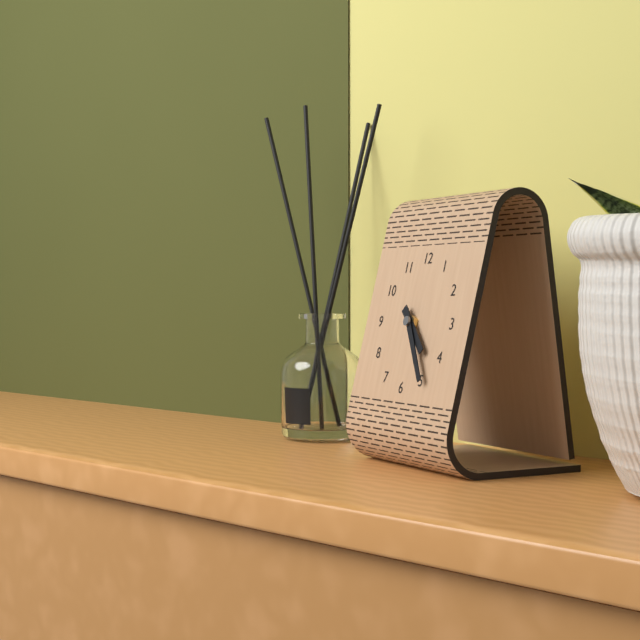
4:24
